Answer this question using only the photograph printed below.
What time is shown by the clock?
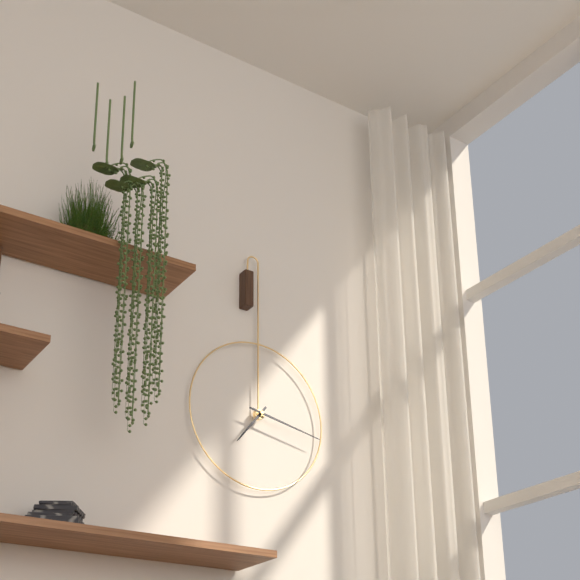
7:17
